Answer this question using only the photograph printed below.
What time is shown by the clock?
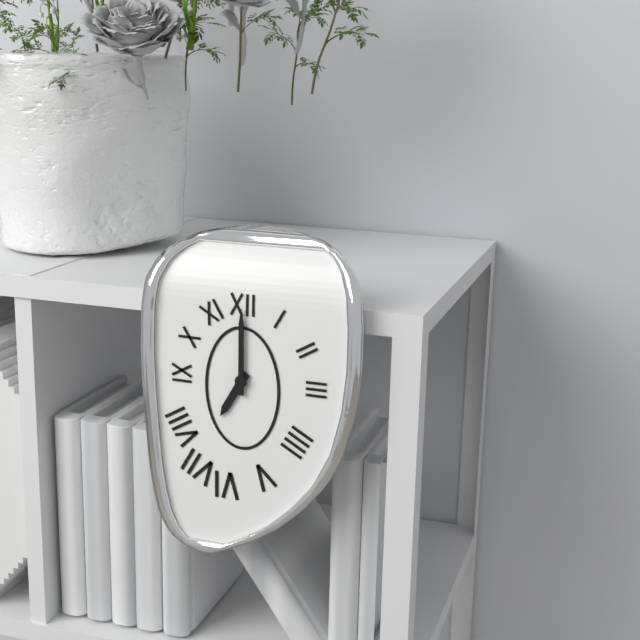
7:00
